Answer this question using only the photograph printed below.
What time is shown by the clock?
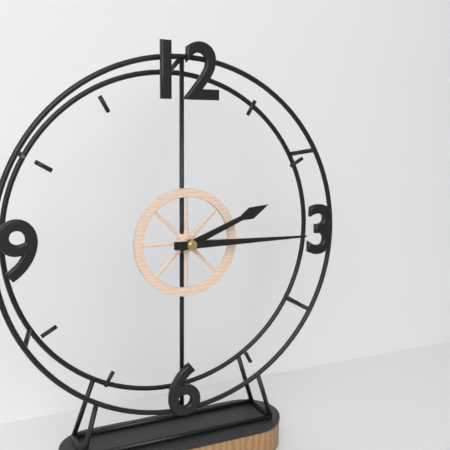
2:15
